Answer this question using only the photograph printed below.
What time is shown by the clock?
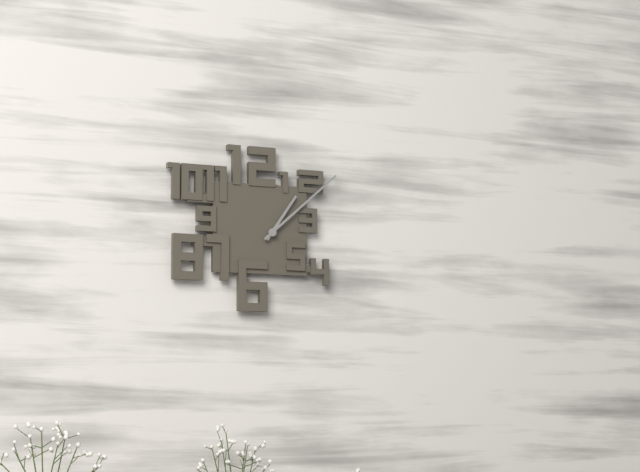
1:08
